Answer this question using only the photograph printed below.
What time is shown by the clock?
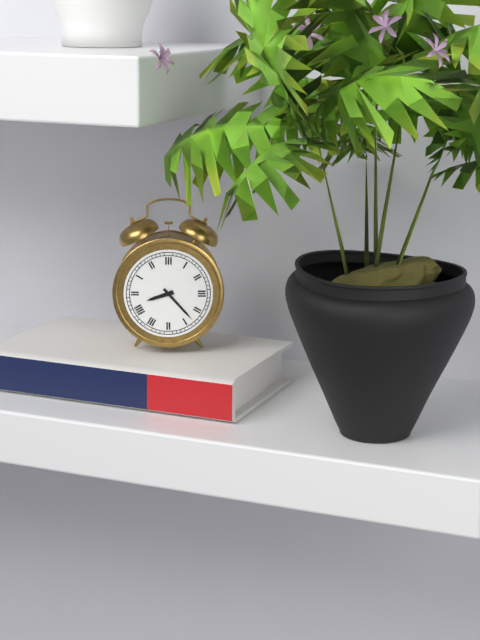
8:23
